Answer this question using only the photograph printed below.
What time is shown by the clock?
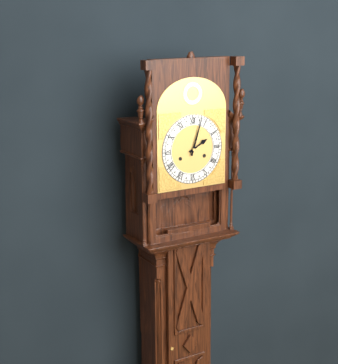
2:03
